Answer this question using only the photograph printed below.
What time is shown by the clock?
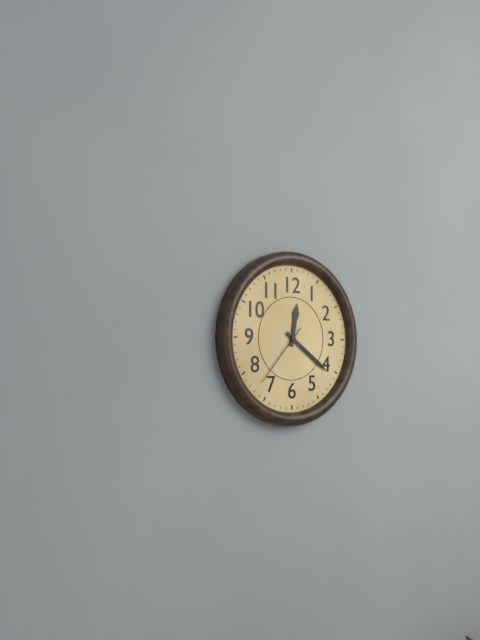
12:21:37
